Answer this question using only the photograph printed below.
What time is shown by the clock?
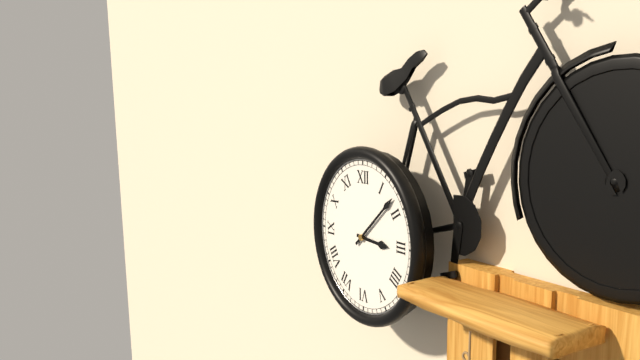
3:08
